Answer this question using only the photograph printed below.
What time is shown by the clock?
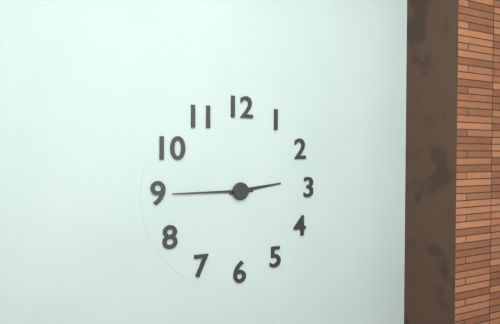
2:45
